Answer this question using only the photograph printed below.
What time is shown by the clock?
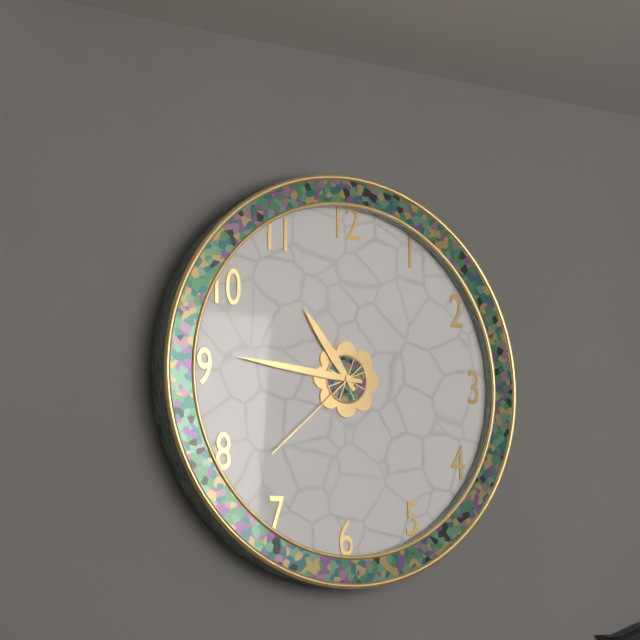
10:46:38
